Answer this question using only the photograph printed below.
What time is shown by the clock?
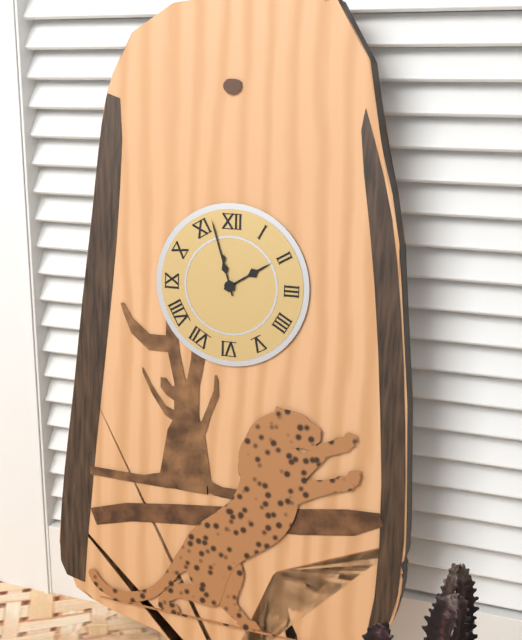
1:57
